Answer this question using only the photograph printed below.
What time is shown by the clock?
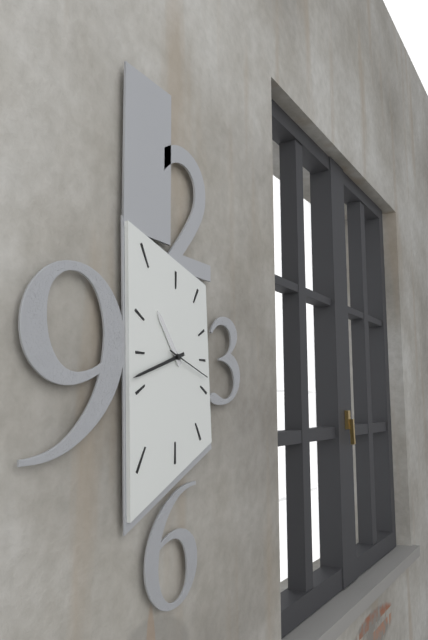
10:42
